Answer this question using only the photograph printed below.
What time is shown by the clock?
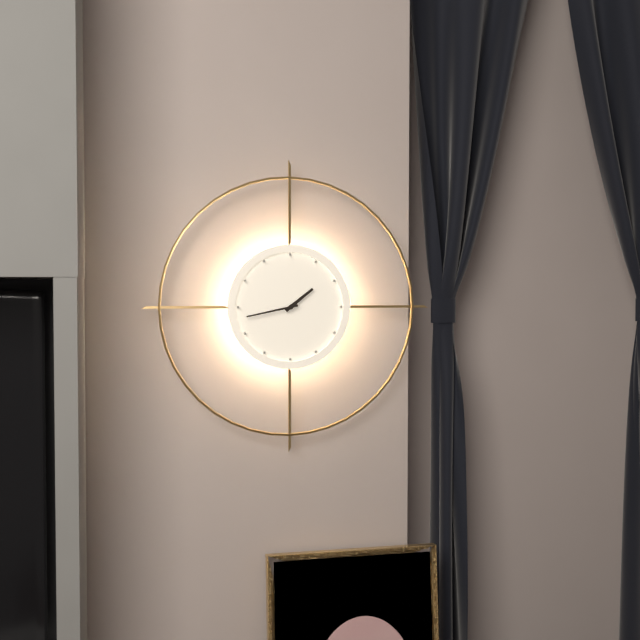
1:43
